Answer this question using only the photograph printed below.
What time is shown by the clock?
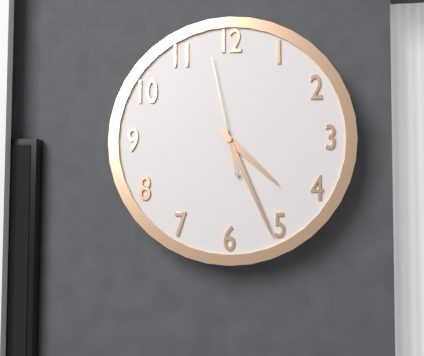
4:26:58
